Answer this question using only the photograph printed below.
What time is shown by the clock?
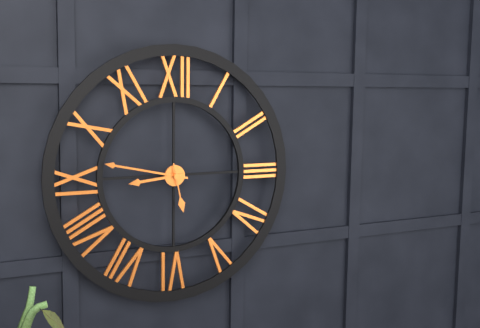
8:47
